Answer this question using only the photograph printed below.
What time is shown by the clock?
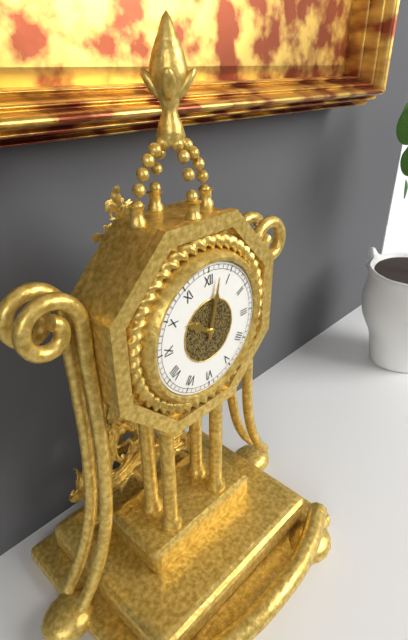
10:02
